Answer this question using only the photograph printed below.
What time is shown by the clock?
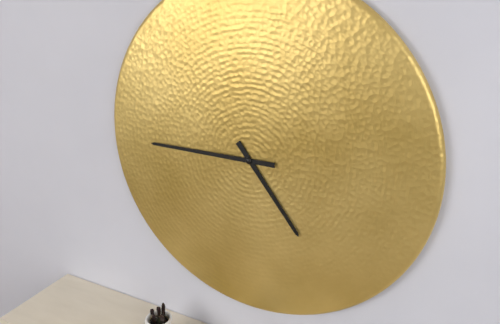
4:45
